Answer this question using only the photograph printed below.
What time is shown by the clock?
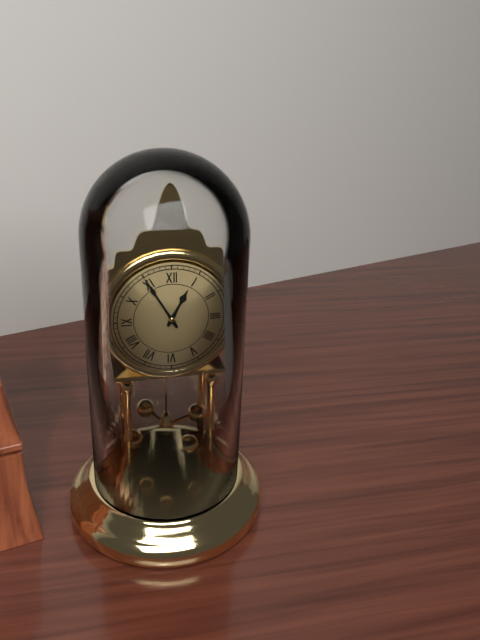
12:55
